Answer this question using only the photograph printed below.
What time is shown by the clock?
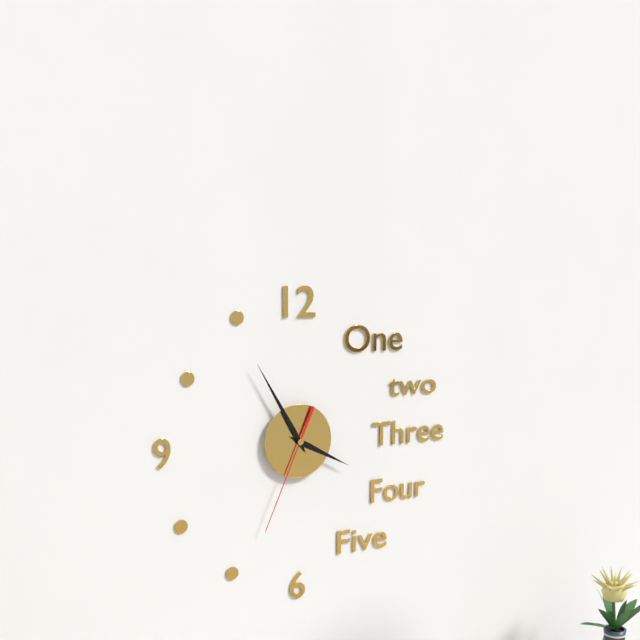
3:55:34
